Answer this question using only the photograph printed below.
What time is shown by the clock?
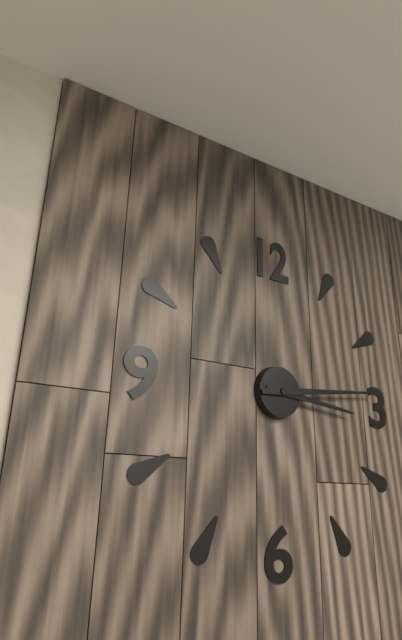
3:14
